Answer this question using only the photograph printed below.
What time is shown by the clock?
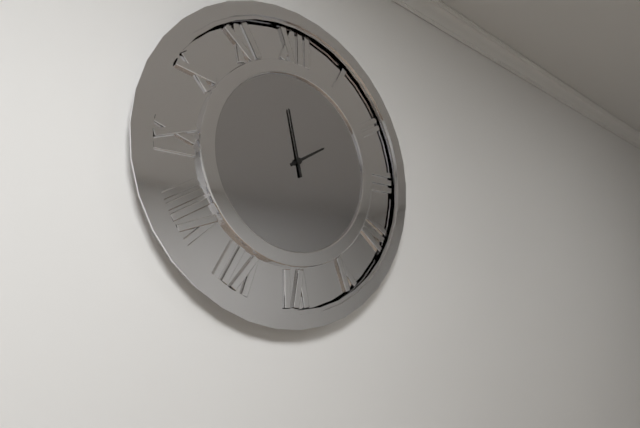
1:58
